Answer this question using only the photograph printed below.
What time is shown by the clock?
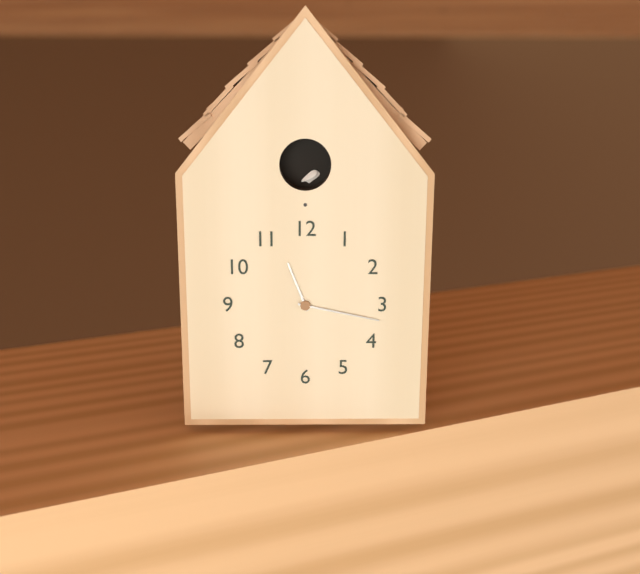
11:17
